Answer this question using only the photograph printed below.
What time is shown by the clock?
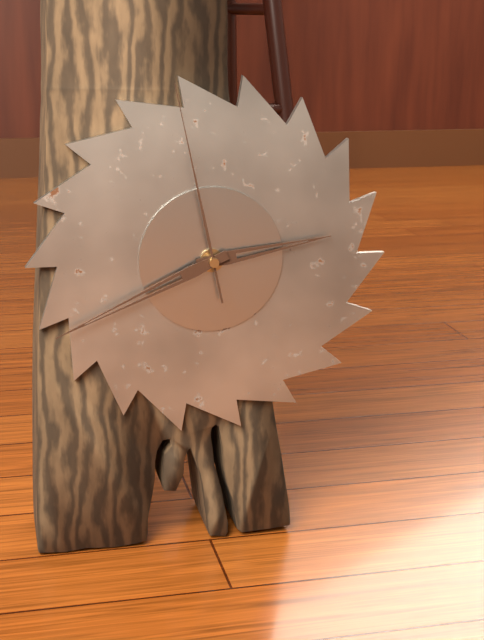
2:41:58
